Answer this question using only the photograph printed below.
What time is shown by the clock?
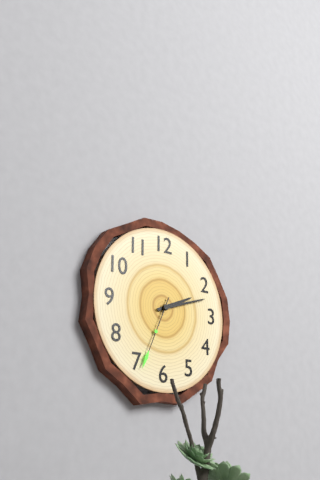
2:12:34
